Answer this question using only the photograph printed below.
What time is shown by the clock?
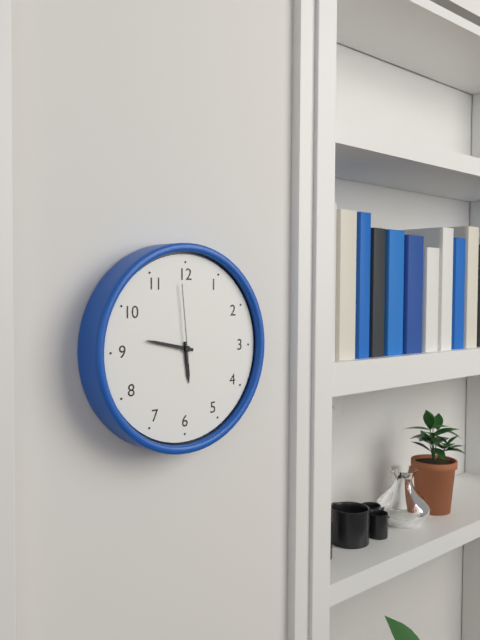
5:47:59
